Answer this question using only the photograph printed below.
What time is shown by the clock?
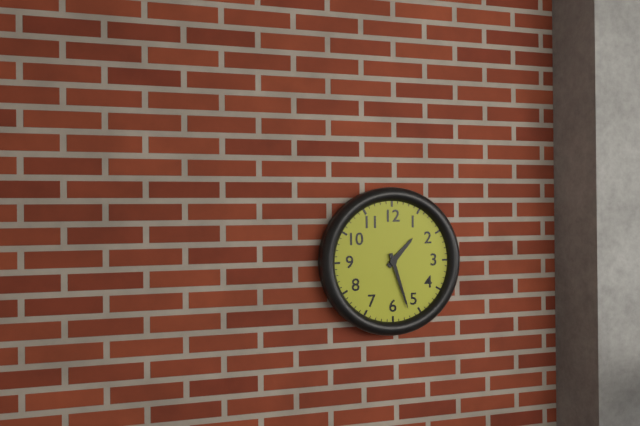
1:27
